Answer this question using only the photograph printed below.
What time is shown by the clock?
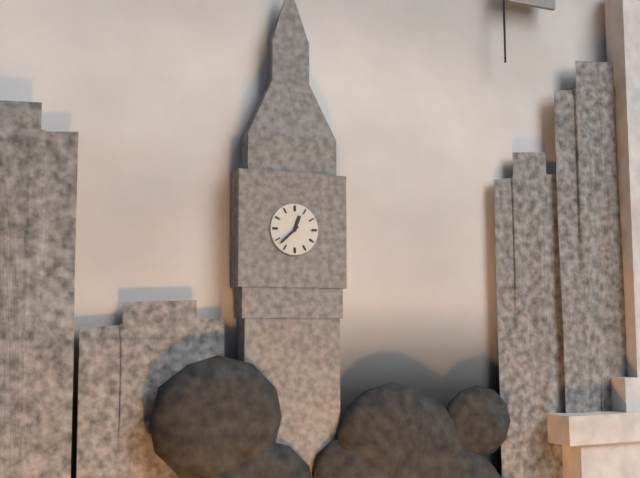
12:38
